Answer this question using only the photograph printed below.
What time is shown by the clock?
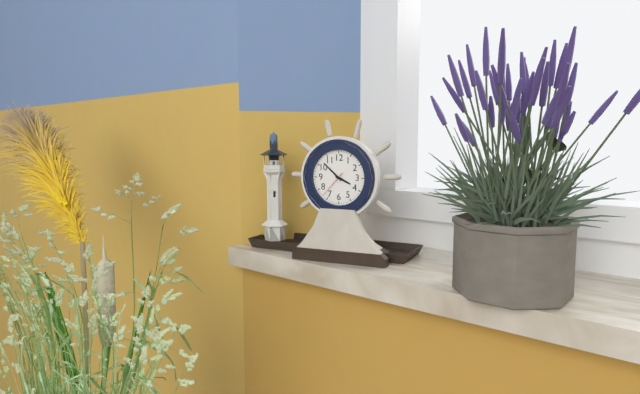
3:52
